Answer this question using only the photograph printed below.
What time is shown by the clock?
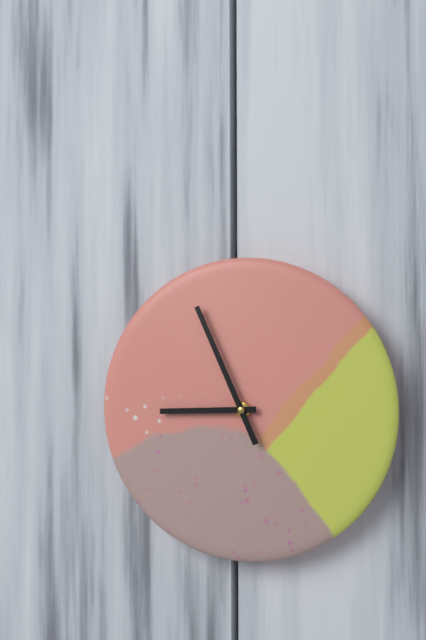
8:56
